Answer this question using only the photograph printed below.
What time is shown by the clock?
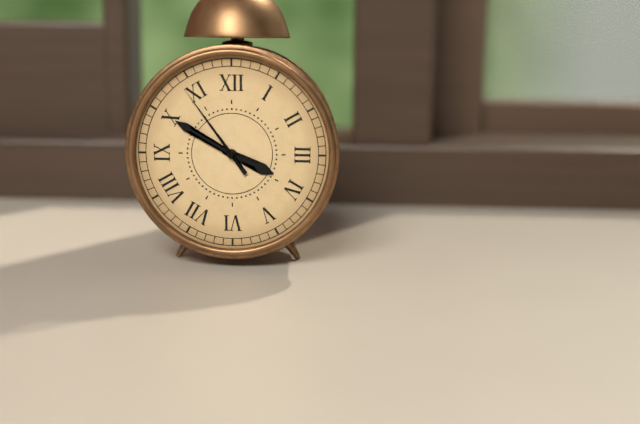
3:50:54
